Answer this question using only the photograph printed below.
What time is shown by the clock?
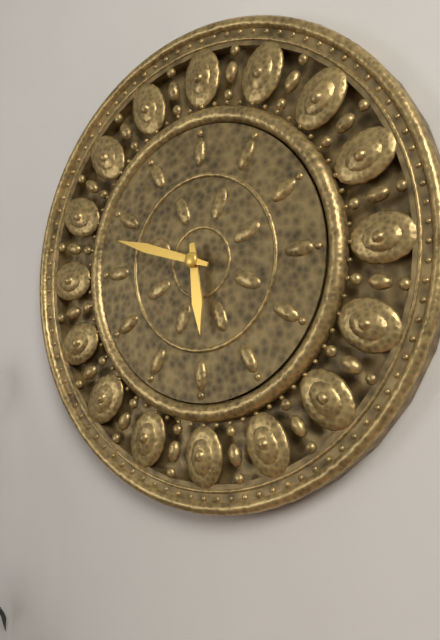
5:48
